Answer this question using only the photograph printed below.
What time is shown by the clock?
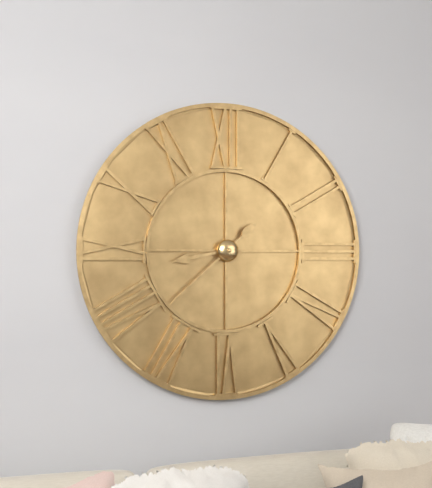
8:38
